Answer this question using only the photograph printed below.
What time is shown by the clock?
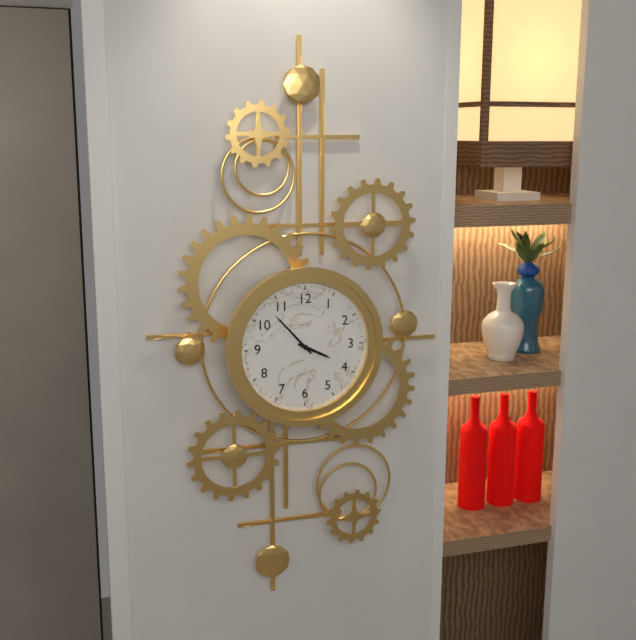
3:53
